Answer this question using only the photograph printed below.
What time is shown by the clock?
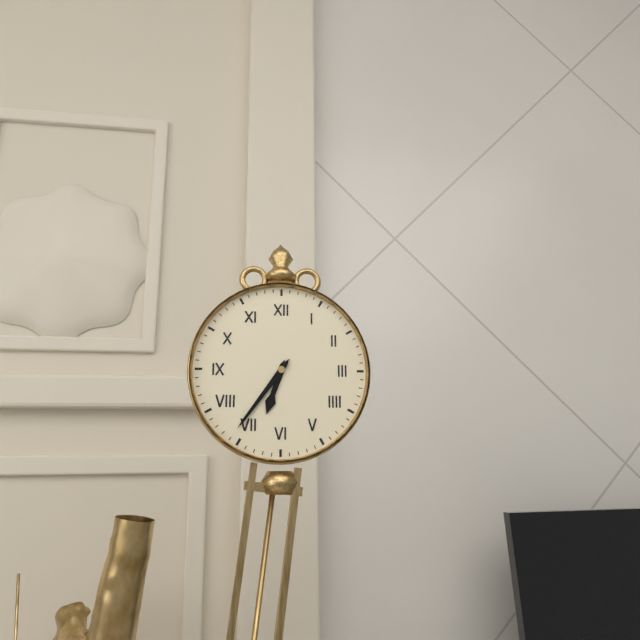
6:36
